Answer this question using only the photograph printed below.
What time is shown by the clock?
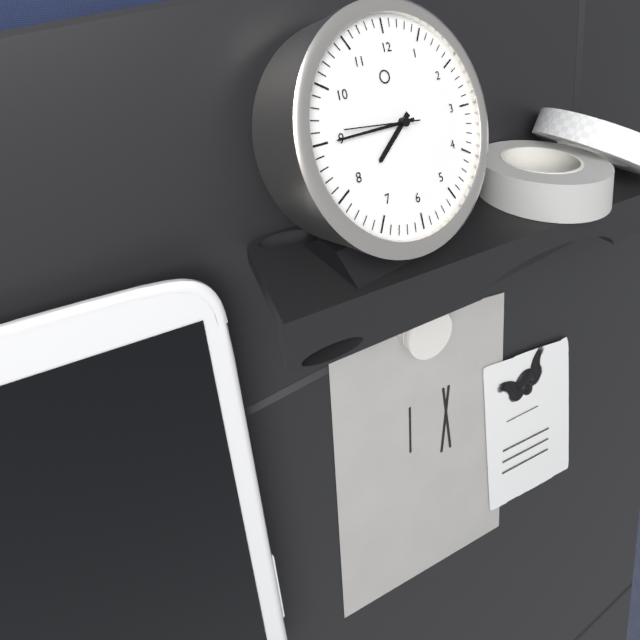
7:45:46
